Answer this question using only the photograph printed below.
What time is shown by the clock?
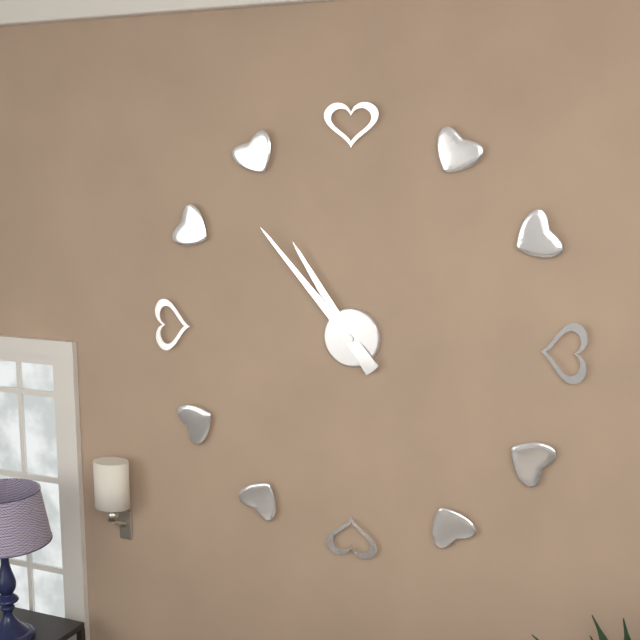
10:53
